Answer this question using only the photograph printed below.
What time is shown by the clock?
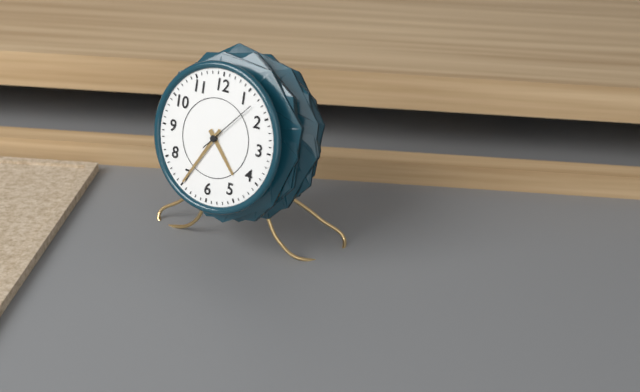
4:35
